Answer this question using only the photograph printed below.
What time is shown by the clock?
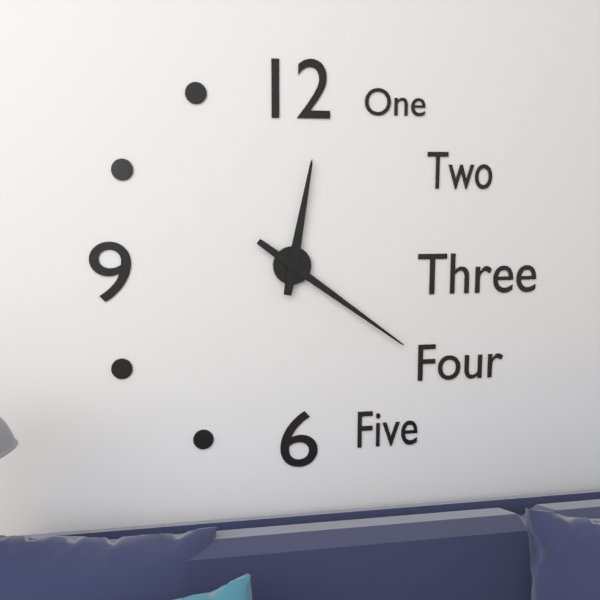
12:21
